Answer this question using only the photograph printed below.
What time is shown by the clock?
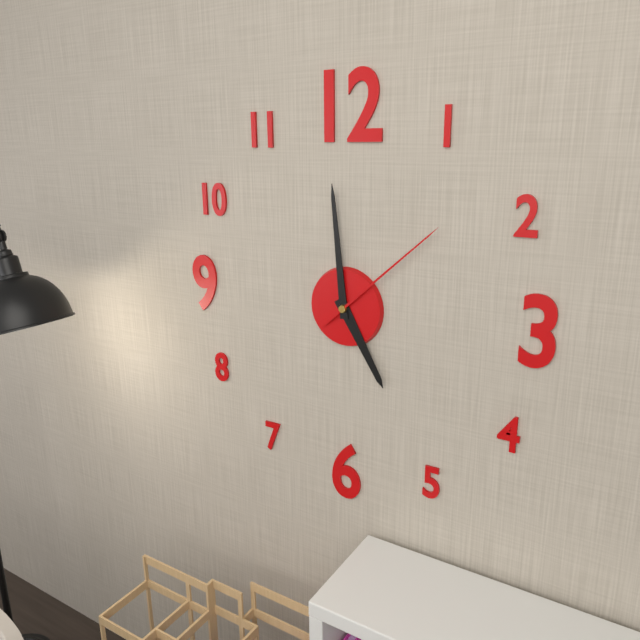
4:59:08
